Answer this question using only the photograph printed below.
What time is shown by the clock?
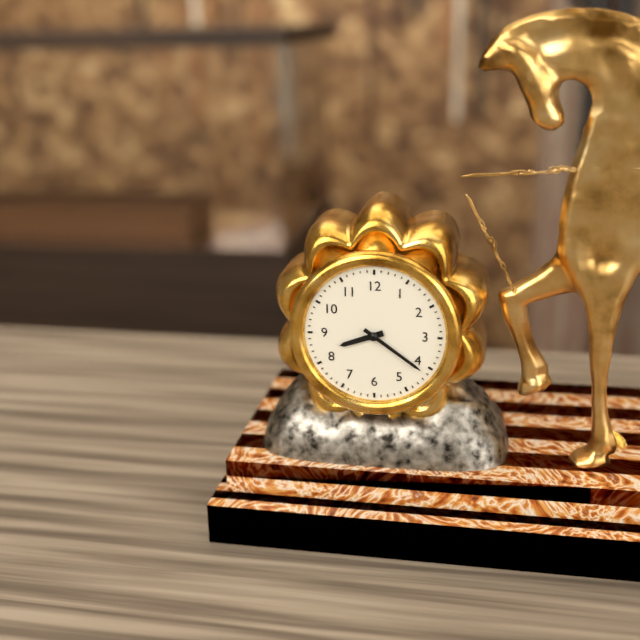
8:21
